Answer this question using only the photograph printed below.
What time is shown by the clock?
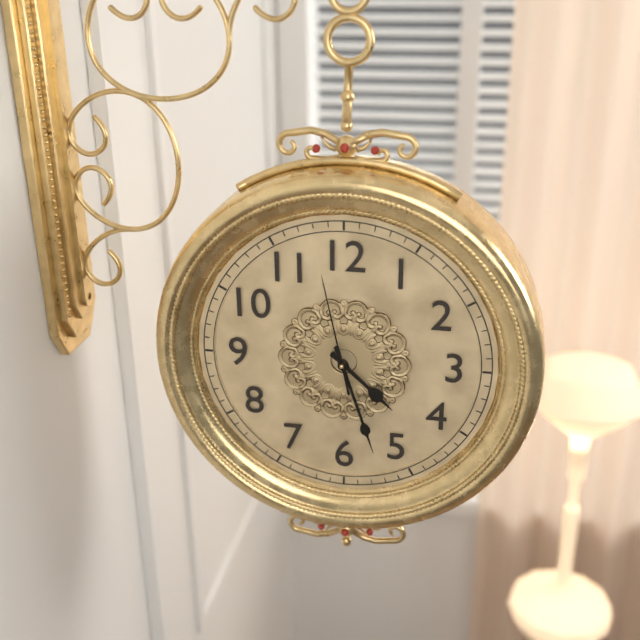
4:27:58
